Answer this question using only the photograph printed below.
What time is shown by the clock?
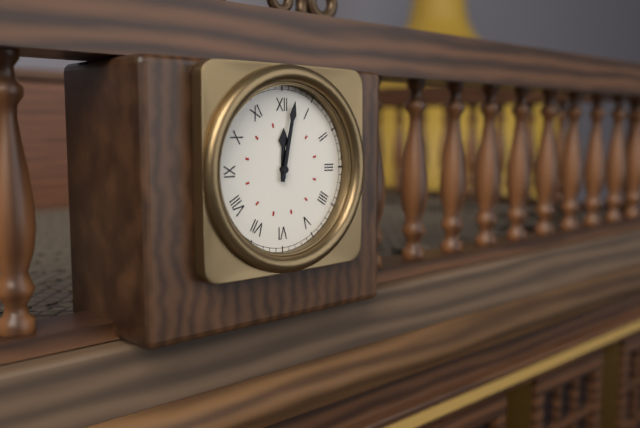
12:02
